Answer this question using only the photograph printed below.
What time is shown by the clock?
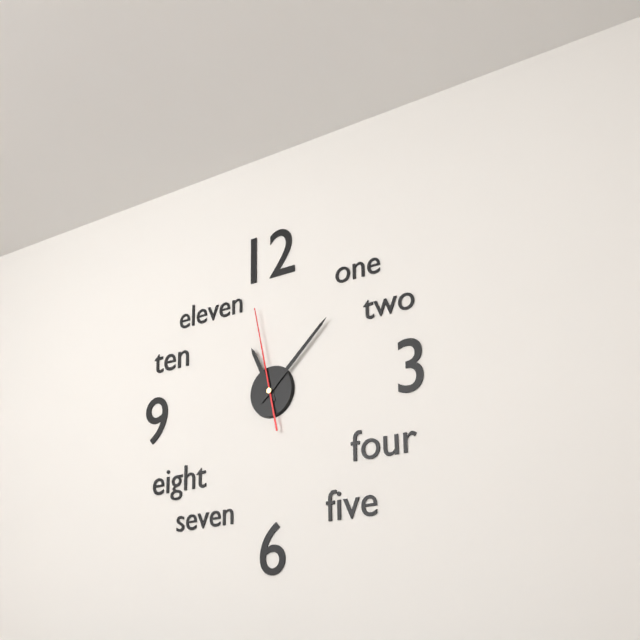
11:08:58
